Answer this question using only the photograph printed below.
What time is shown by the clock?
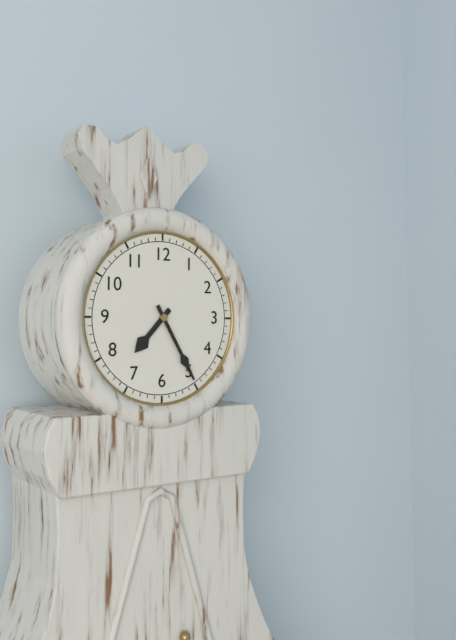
7:25
